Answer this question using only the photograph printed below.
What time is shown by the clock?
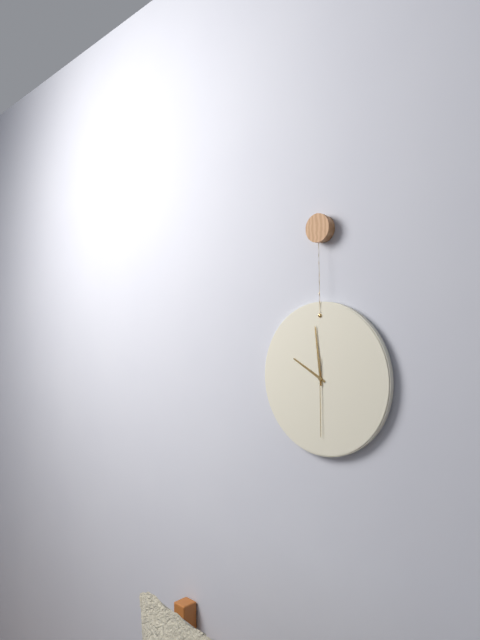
9:59:30
